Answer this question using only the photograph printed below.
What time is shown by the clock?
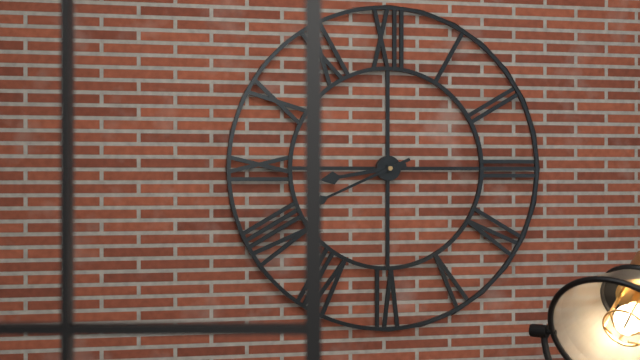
8:41
